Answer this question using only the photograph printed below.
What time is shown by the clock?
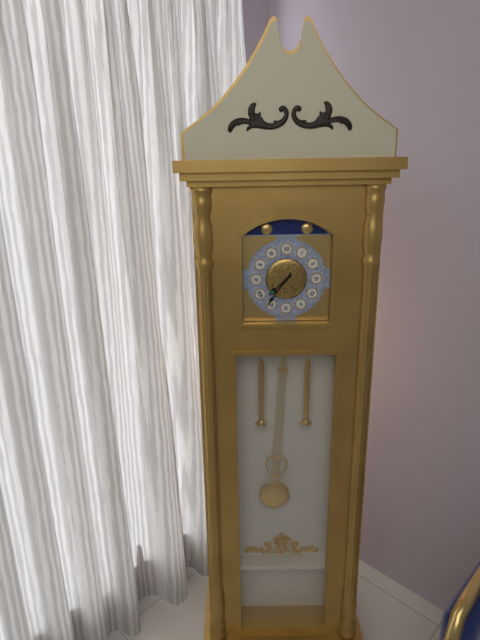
7:36
